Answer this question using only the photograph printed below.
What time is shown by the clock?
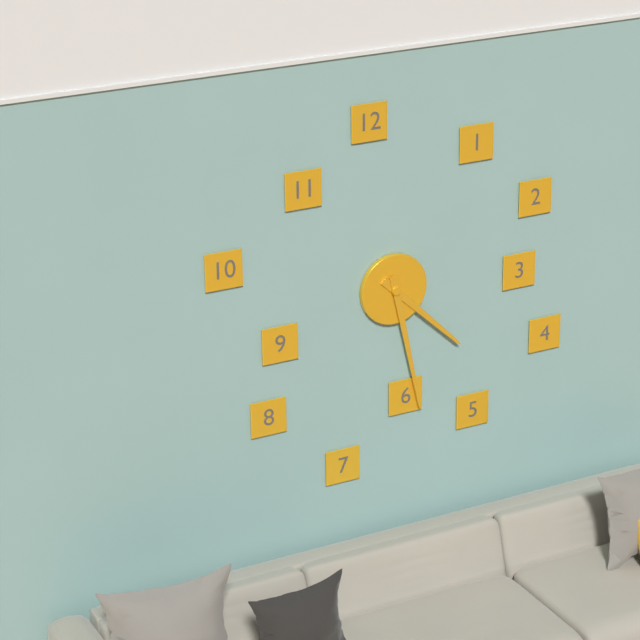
4:28
